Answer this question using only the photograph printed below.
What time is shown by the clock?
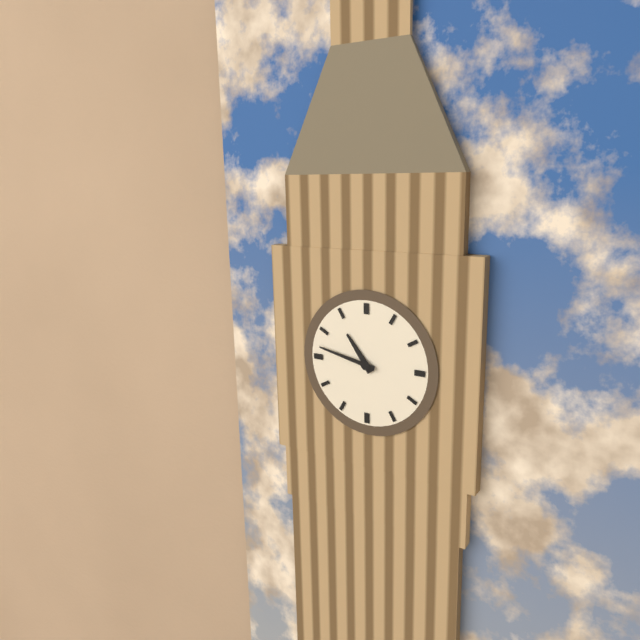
10:47
